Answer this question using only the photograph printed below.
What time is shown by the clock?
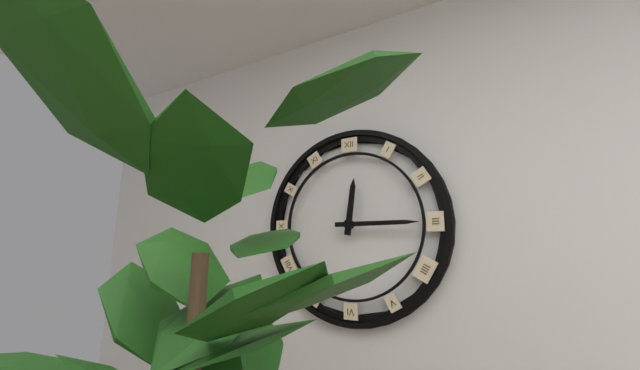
12:15
